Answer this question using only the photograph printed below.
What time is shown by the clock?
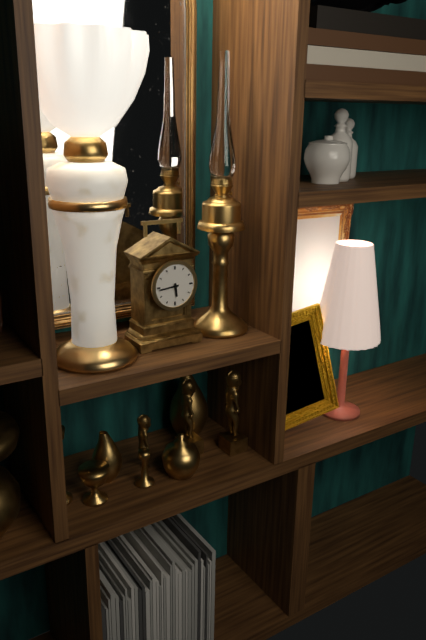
5:44
